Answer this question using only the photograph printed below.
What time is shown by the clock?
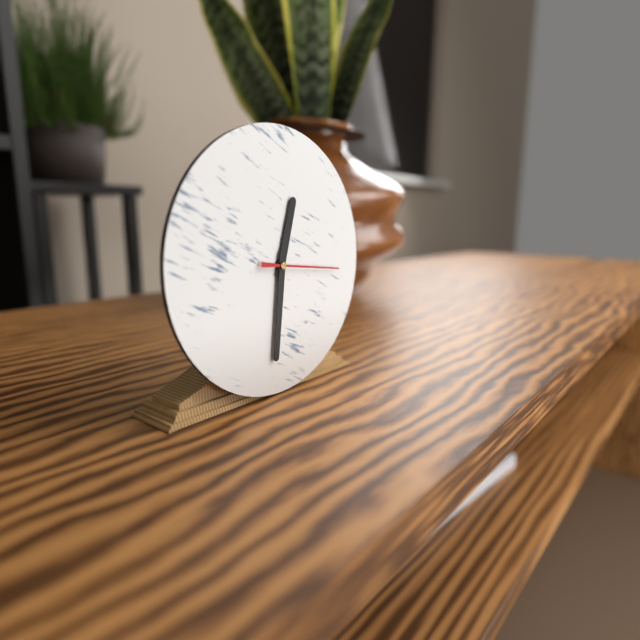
12:31:16
